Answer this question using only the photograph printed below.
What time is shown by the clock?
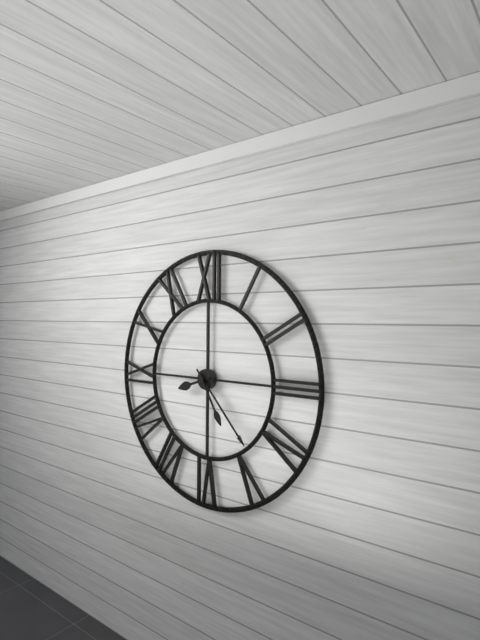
8:23:25
